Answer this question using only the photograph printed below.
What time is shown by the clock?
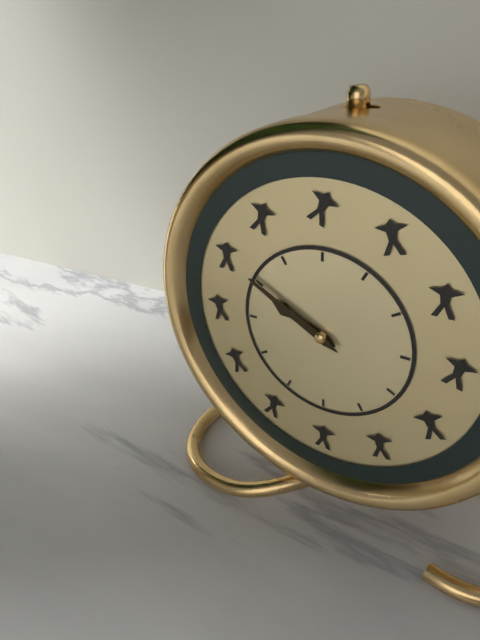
9:50
